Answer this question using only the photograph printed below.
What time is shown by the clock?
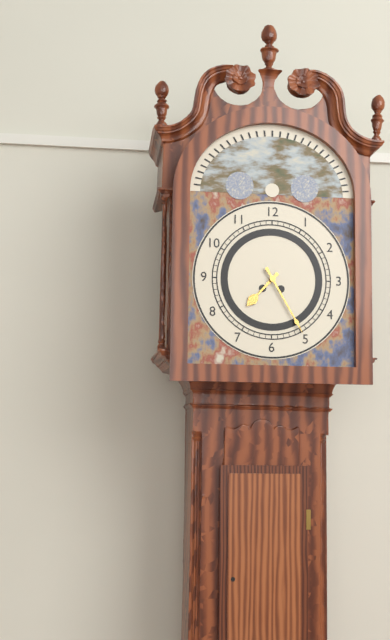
7:25
